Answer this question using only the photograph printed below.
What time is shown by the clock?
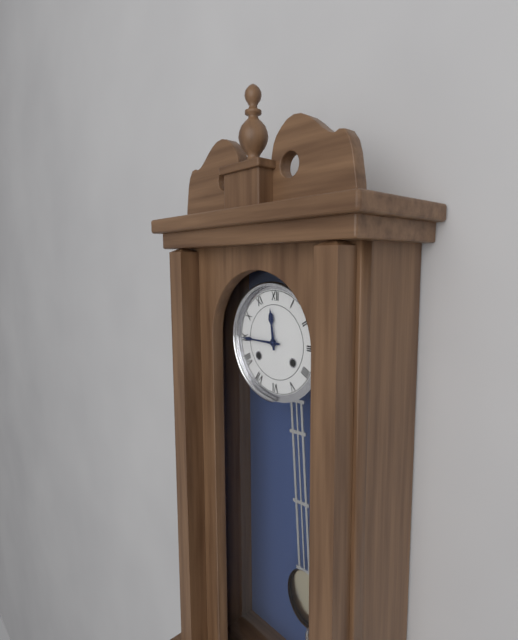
11:45
